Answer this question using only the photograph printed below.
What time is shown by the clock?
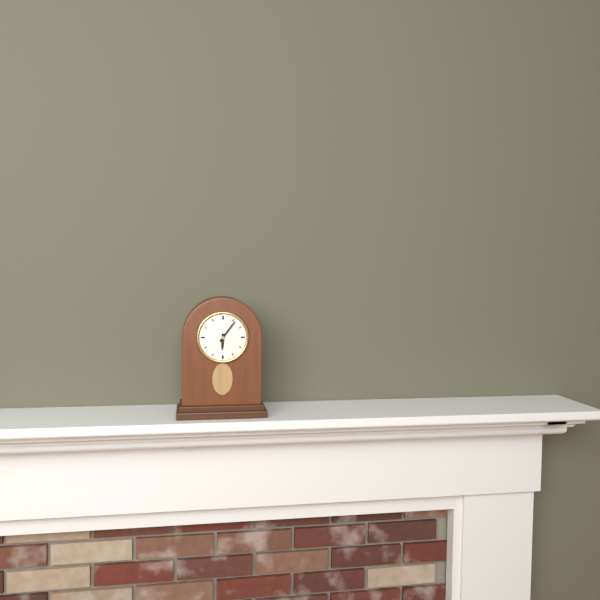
6:06
